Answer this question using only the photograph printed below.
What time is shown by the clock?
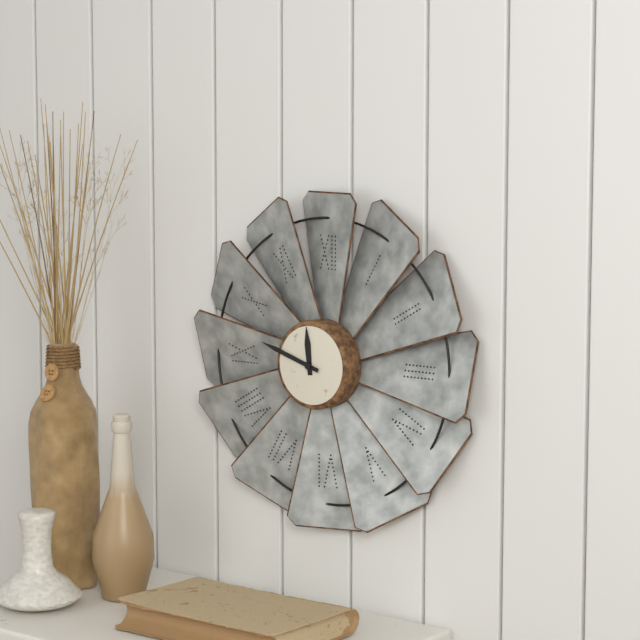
11:48
